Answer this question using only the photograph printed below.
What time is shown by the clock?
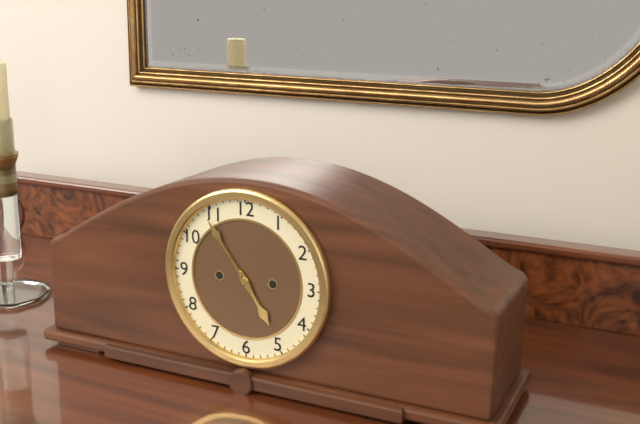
4:54
